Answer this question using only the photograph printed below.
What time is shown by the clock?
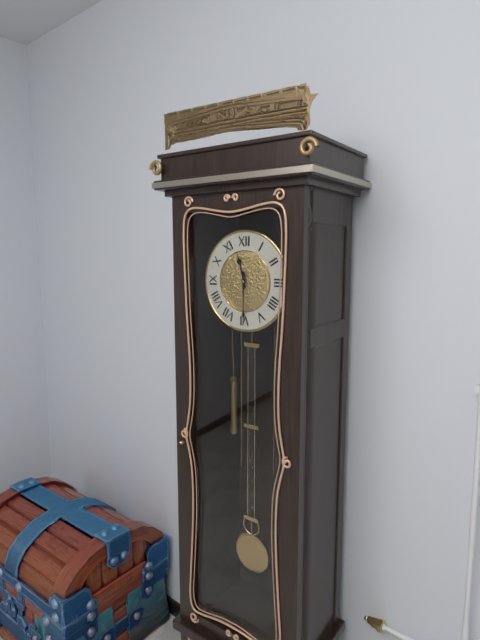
11:30
